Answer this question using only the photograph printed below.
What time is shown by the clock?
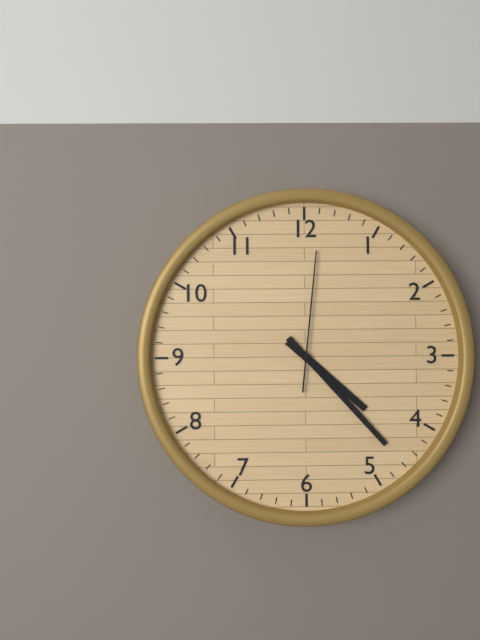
4:23:01
